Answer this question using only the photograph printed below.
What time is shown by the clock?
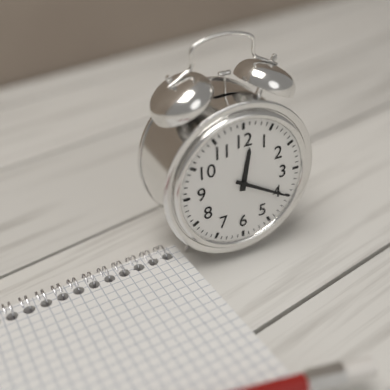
12:20
